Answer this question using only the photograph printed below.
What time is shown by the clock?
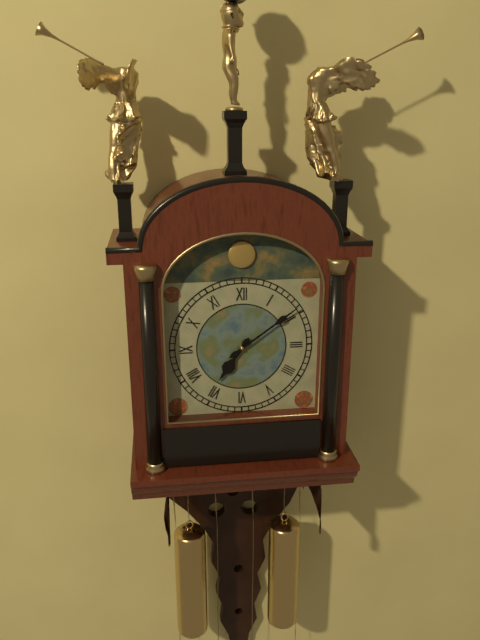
7:09
